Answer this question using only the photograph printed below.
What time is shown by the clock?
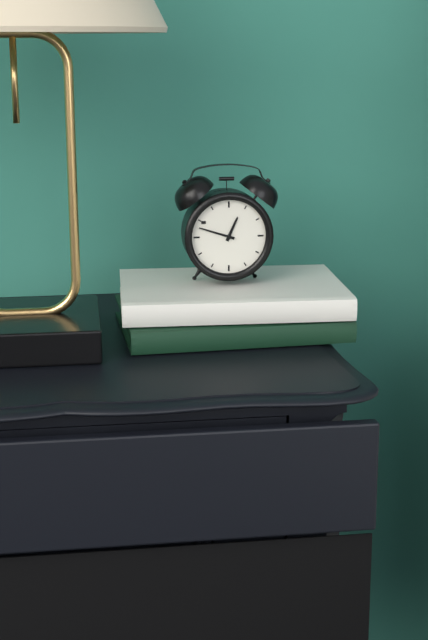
12:48
